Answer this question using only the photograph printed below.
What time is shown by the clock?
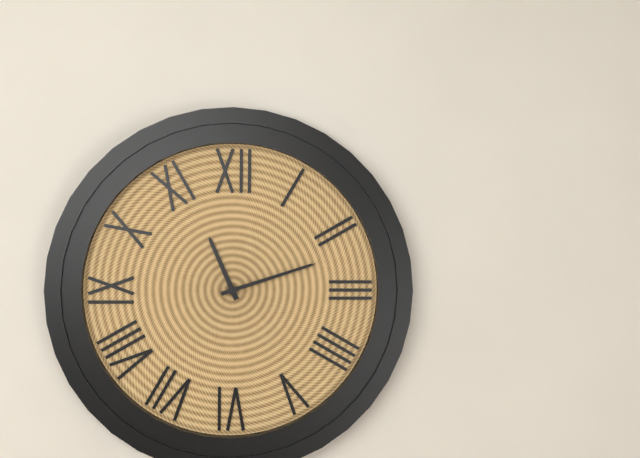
11:12
